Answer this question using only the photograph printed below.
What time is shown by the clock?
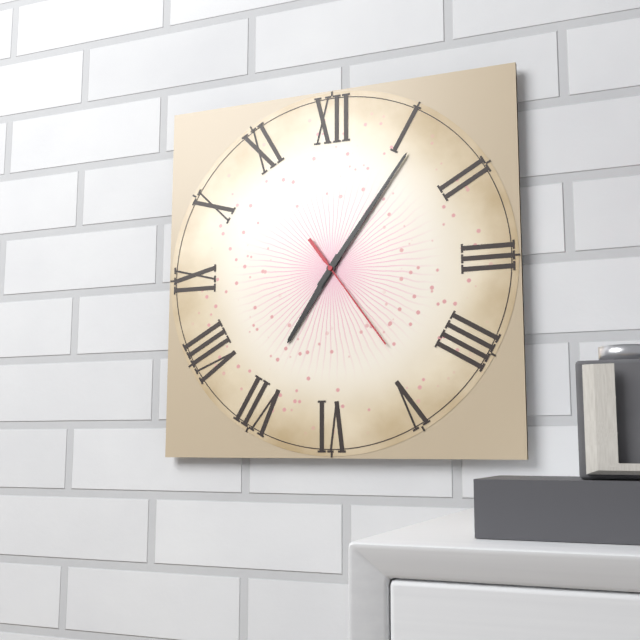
7:06:24
